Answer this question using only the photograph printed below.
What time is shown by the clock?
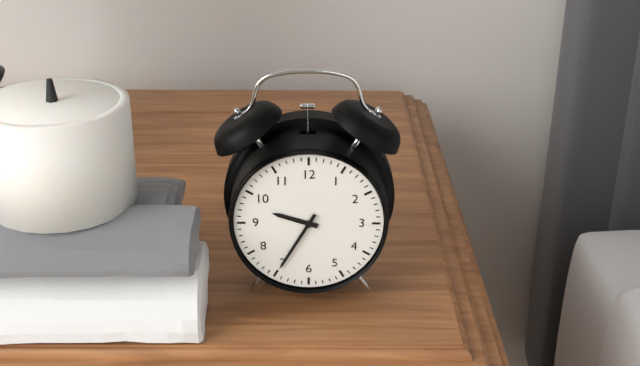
9:35
